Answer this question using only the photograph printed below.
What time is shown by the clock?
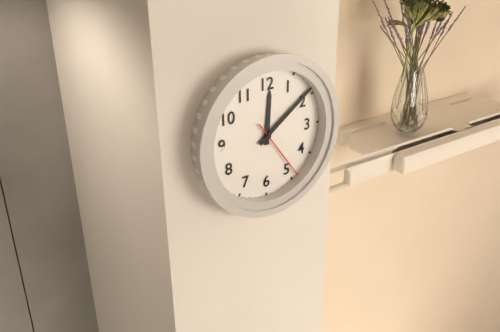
12:09:24
